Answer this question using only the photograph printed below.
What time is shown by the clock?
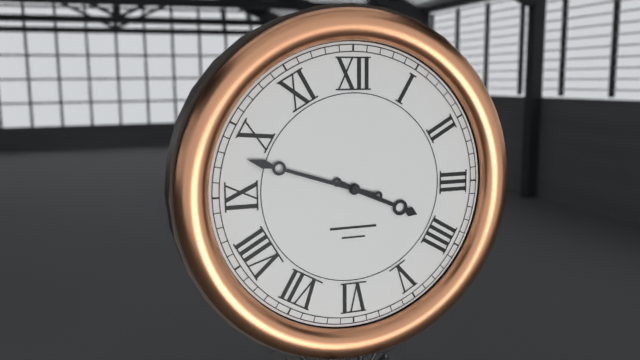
3:48
